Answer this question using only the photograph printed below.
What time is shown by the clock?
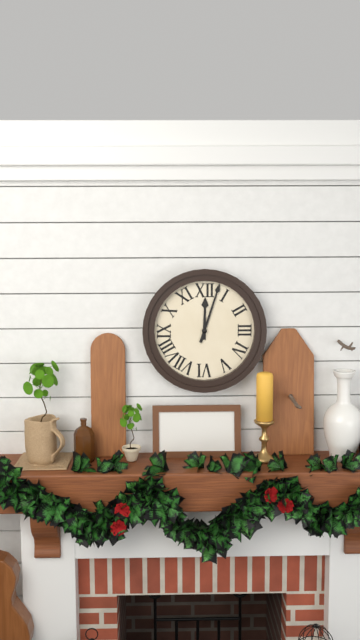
12:03
